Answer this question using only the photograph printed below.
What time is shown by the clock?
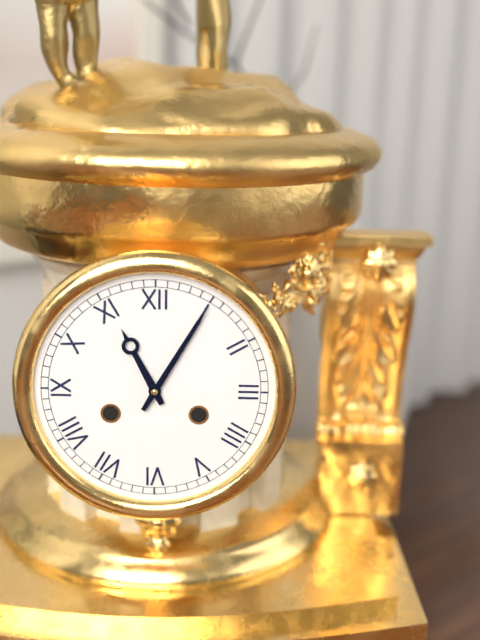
11:05
